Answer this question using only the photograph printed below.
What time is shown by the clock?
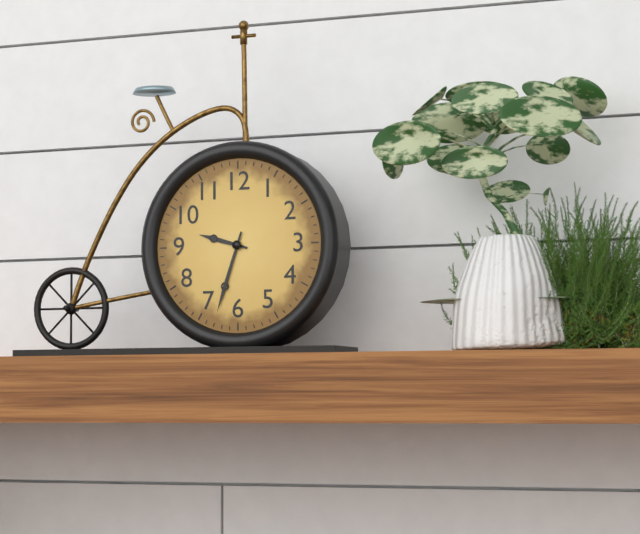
9:33
